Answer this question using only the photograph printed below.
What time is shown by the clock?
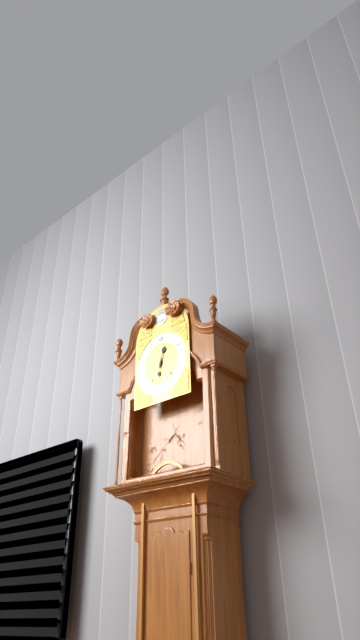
12:32
